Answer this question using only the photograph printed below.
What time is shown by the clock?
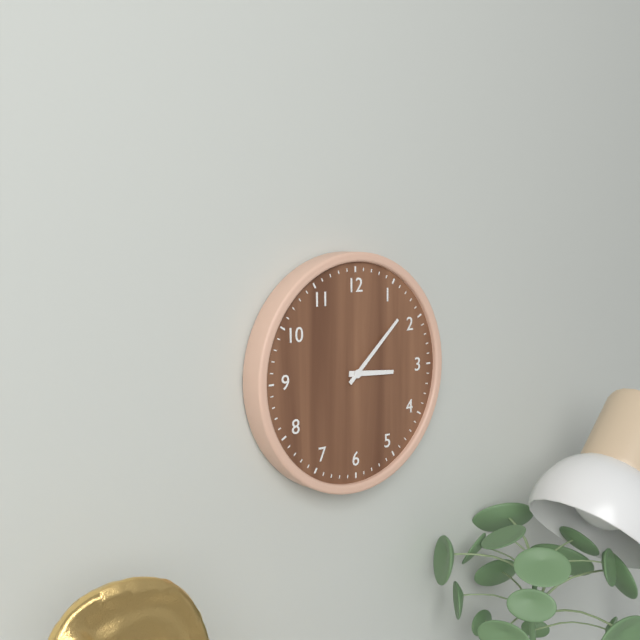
3:08
